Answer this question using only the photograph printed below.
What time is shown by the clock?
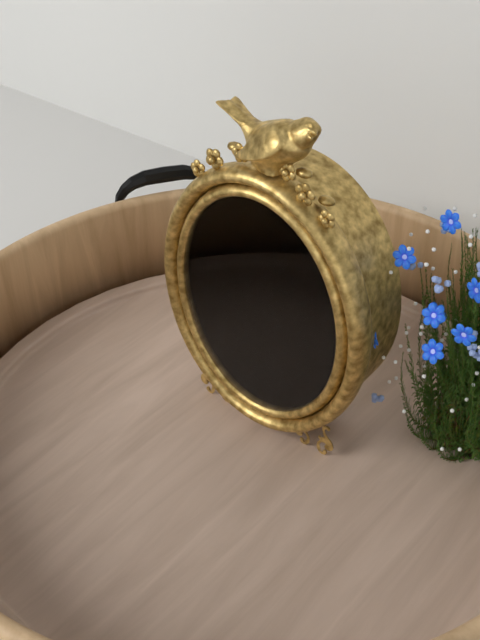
6:41:12
